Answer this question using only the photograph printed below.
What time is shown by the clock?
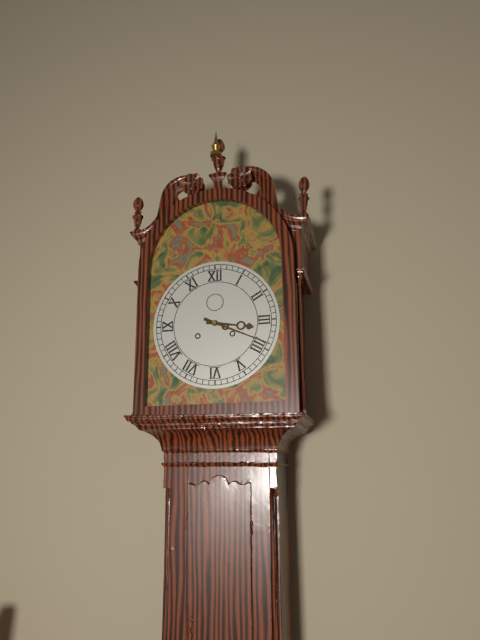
3:19
